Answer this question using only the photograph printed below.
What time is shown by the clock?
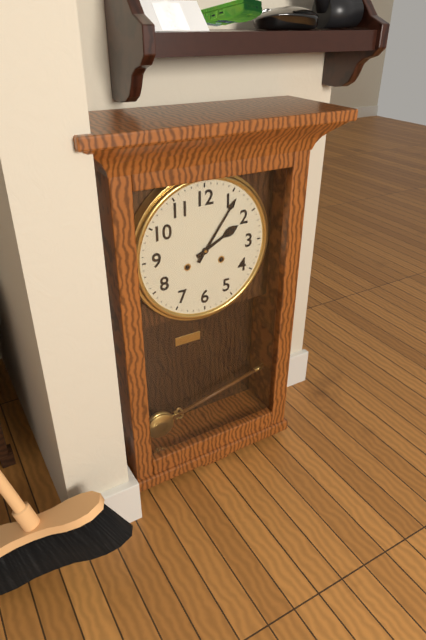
2:06
